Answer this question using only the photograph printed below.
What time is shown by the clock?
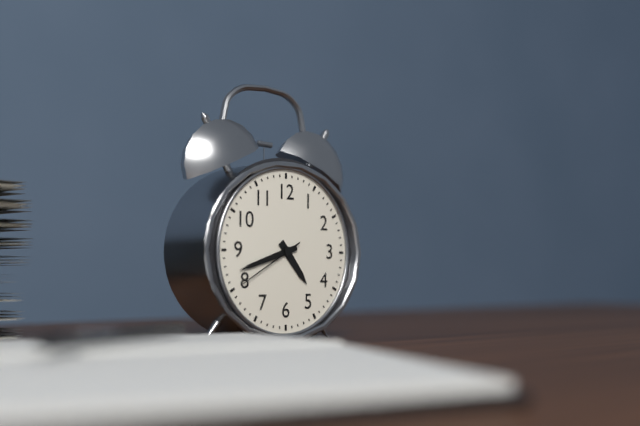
4:42:40
